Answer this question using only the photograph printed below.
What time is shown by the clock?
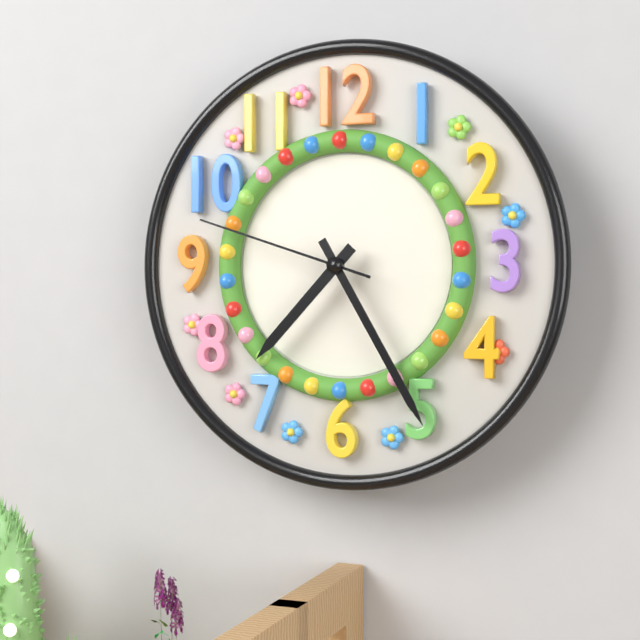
7:25:48
